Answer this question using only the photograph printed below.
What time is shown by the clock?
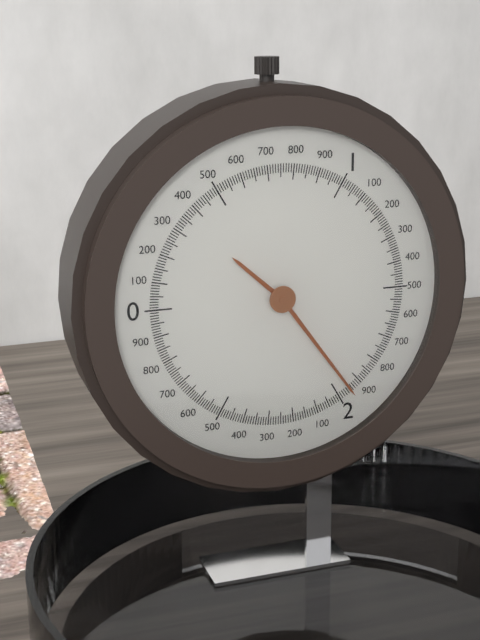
10:24
